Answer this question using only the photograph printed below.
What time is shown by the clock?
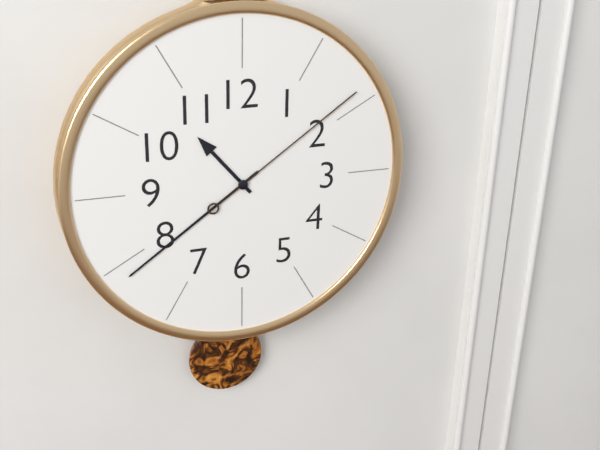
10:39:09
